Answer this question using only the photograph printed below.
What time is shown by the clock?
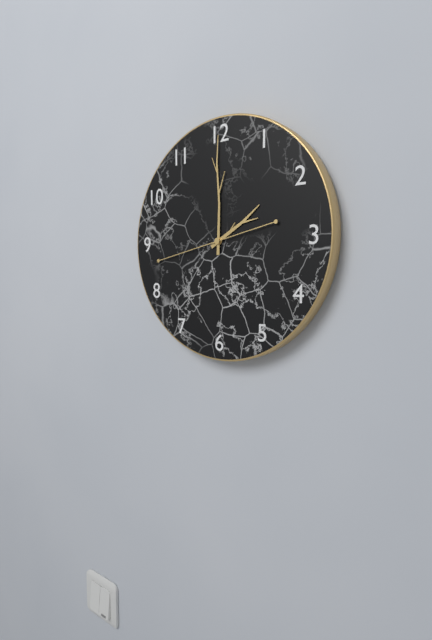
2:00:43
